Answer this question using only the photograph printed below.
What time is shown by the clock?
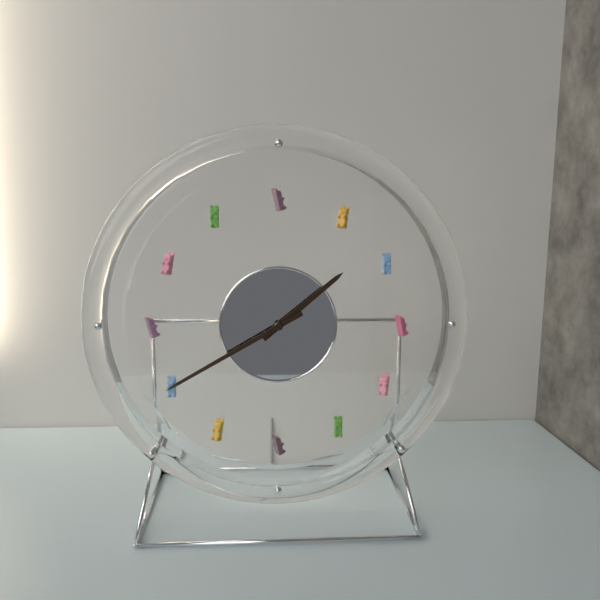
1:40
